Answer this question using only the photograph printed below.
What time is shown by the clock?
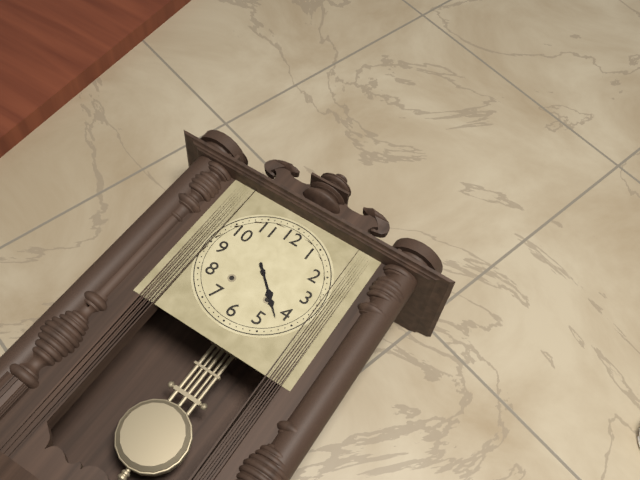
4:22
